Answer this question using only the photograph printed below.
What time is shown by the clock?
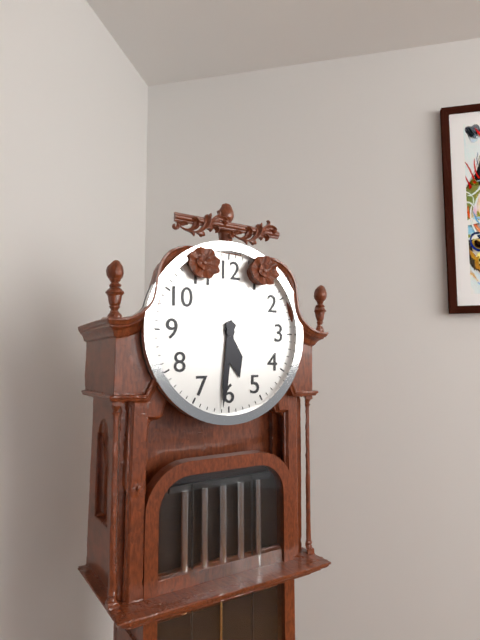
5:31
